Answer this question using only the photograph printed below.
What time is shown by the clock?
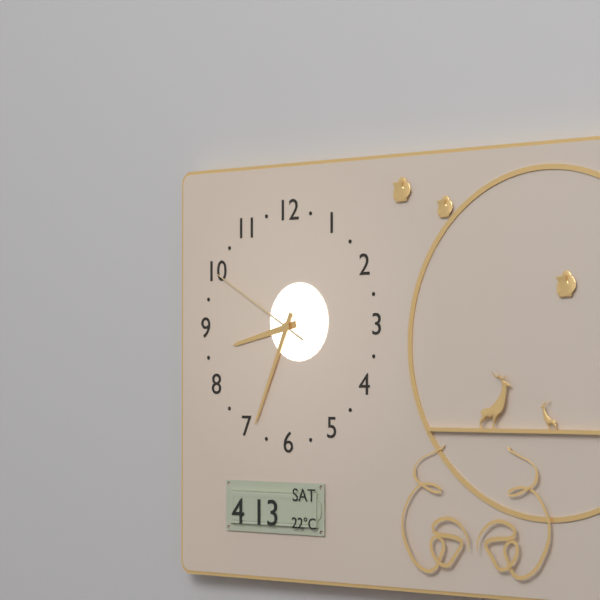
8:34:50
